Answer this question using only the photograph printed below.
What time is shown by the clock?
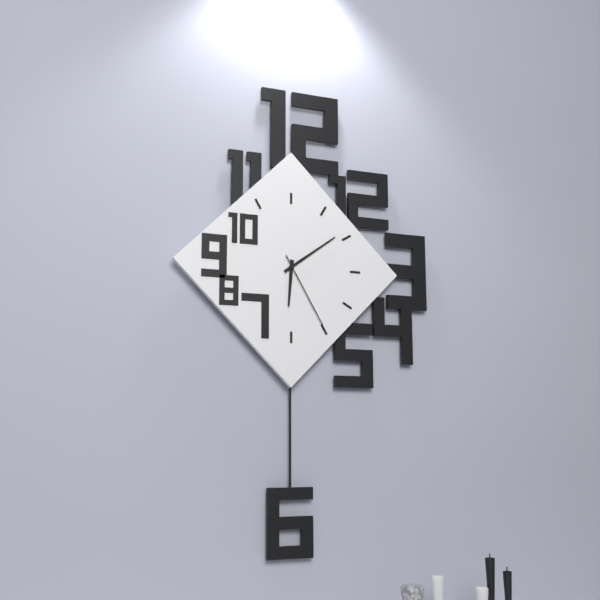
6:09:25
